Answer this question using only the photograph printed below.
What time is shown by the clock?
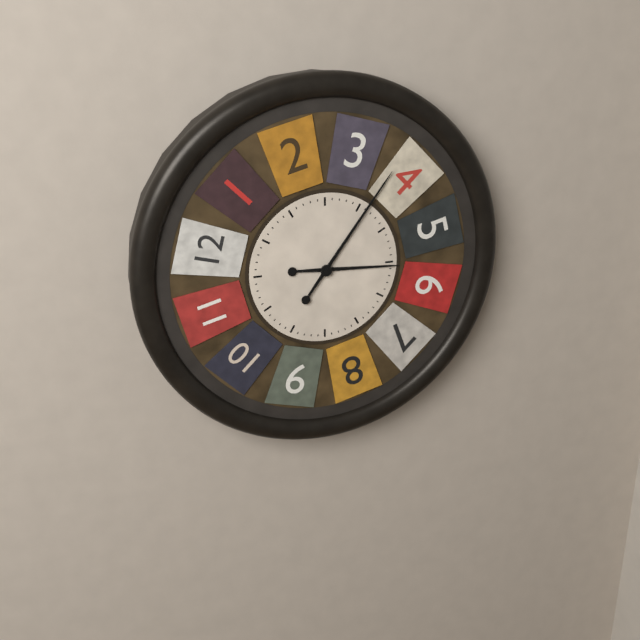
3:06
